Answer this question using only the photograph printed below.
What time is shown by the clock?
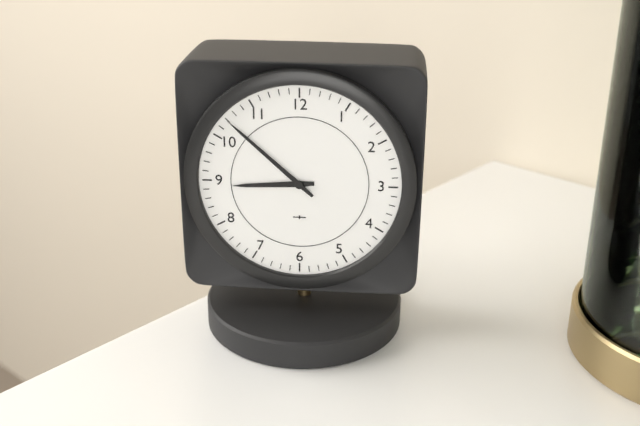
8:52
